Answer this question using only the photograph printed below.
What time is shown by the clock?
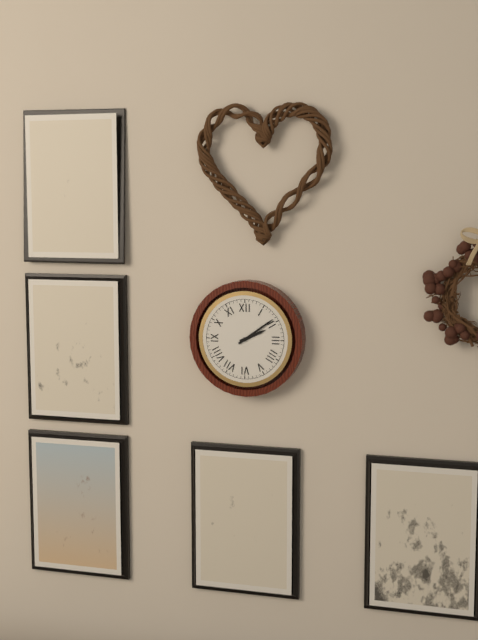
2:09
